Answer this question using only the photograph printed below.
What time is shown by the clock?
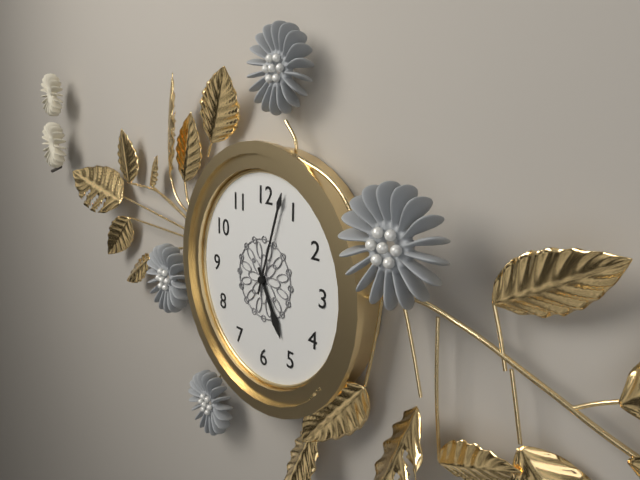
5:03
